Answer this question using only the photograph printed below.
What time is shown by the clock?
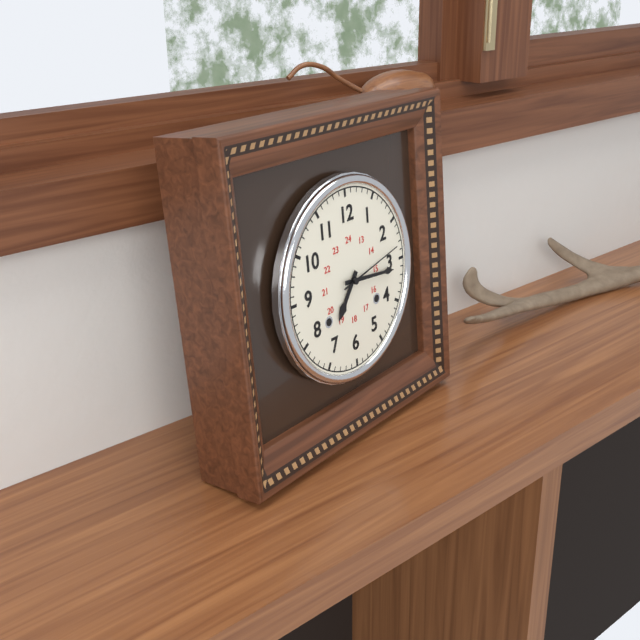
7:16:13
